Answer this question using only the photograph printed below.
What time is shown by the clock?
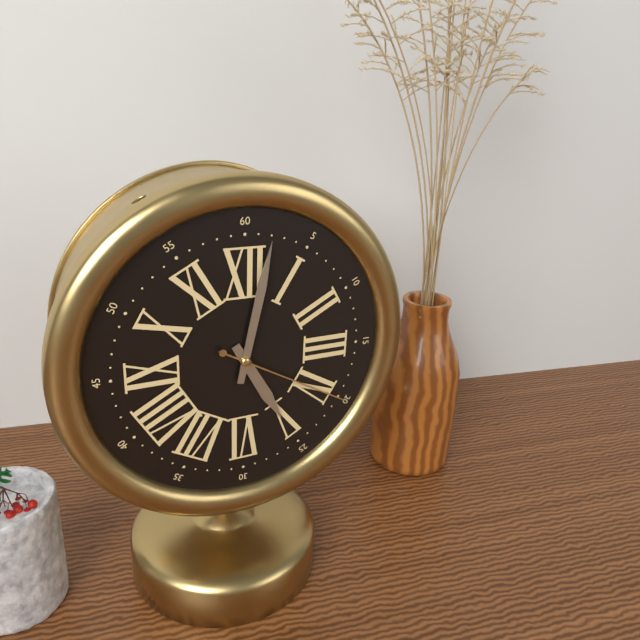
5:02:20
